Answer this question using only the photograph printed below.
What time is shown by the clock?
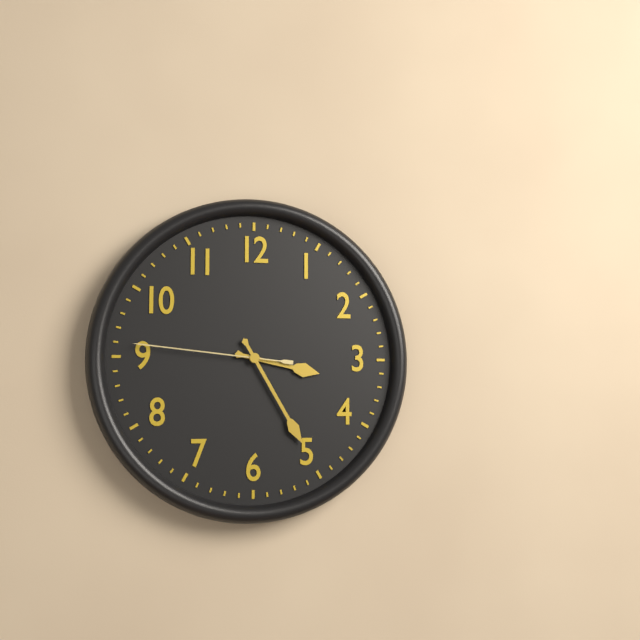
3:25:46
